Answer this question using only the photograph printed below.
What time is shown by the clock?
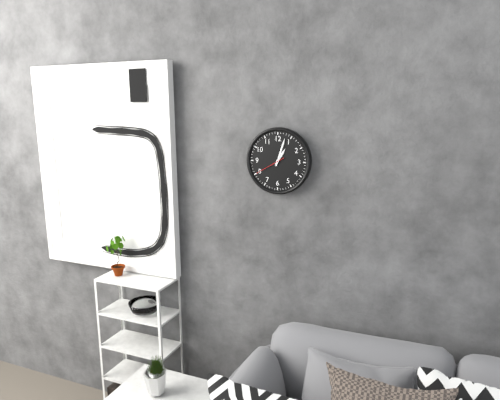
1:03
